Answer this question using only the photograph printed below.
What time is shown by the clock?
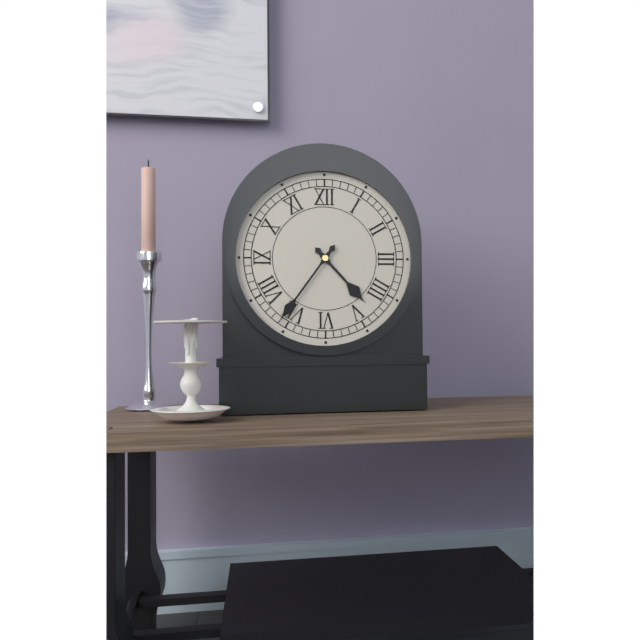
4:36
